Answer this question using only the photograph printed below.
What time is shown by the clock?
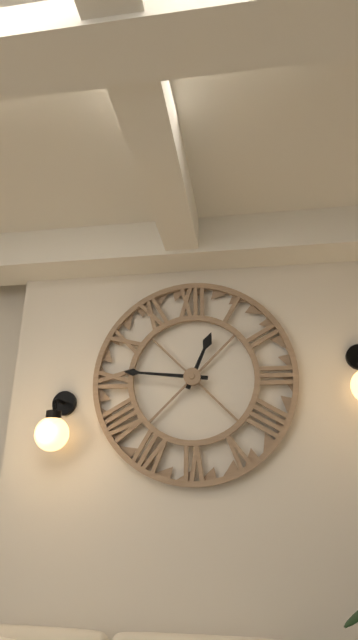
12:46
